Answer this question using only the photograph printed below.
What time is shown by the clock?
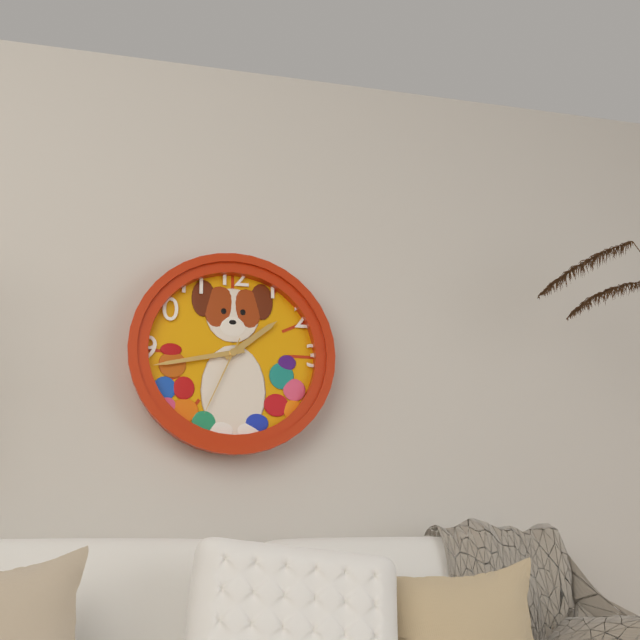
1:43:34
